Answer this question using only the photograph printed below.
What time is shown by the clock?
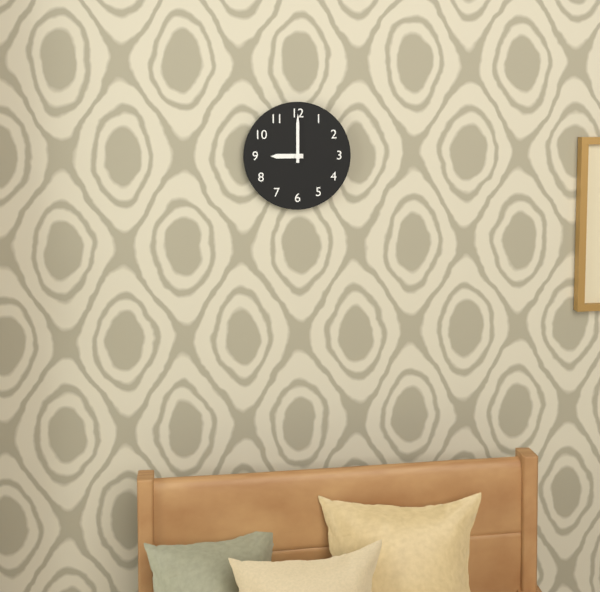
9:00
